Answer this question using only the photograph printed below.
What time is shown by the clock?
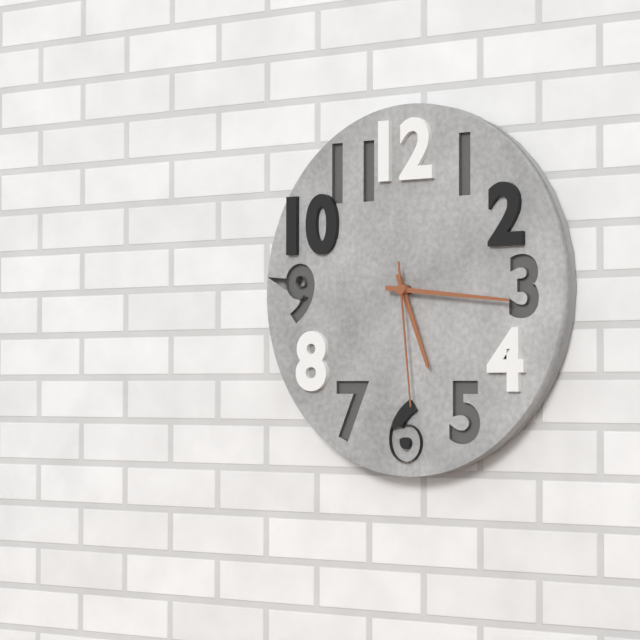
5:16:29
